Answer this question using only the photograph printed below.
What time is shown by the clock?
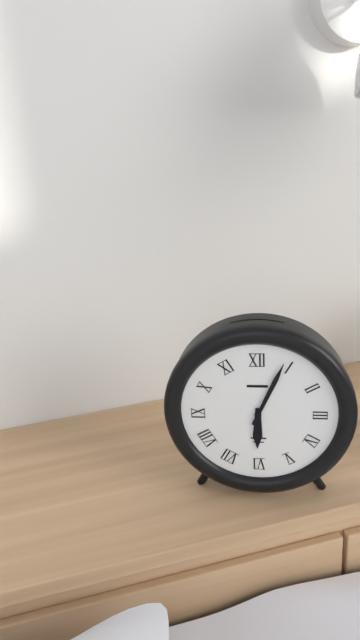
6:04
